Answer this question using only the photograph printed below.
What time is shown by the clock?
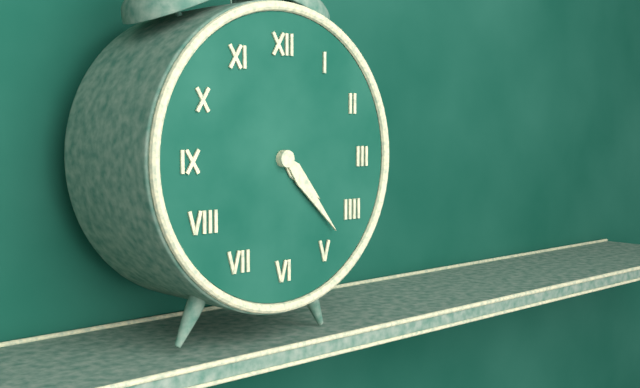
4:23
